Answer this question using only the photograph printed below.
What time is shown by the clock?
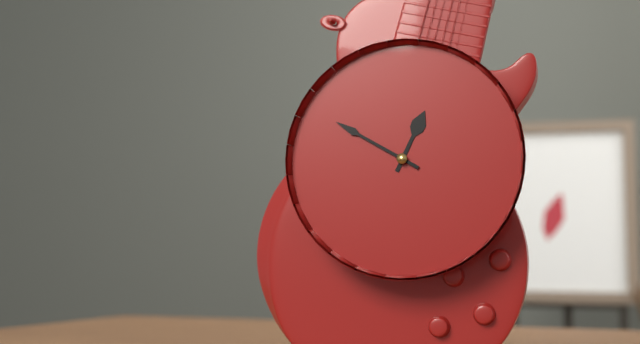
12:50
